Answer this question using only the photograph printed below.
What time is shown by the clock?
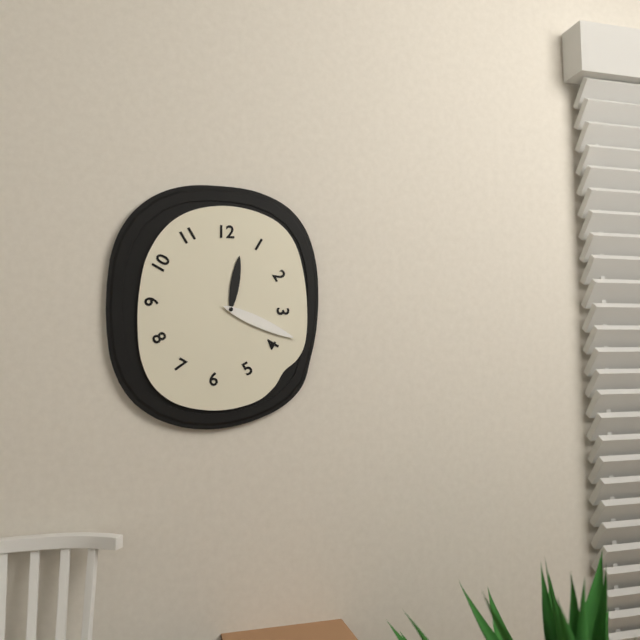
12:19
